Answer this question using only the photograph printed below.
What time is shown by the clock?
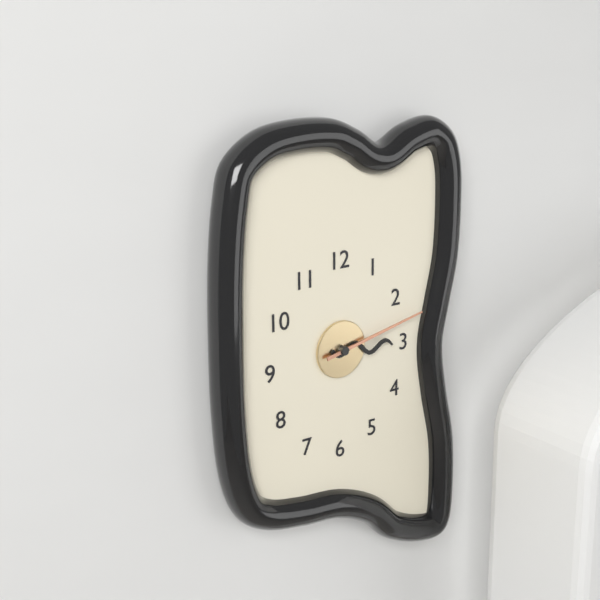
3:13
